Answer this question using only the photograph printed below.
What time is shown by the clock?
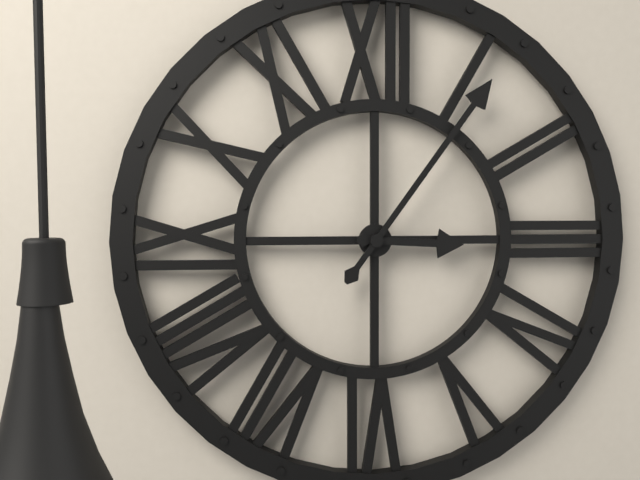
3:06
